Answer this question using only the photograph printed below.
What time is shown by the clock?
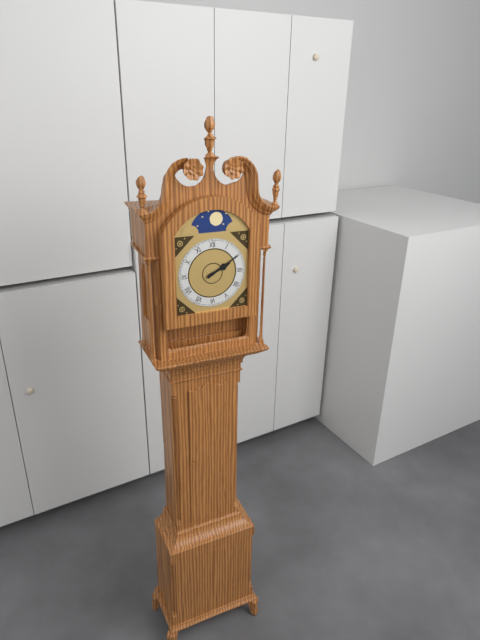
2:10
